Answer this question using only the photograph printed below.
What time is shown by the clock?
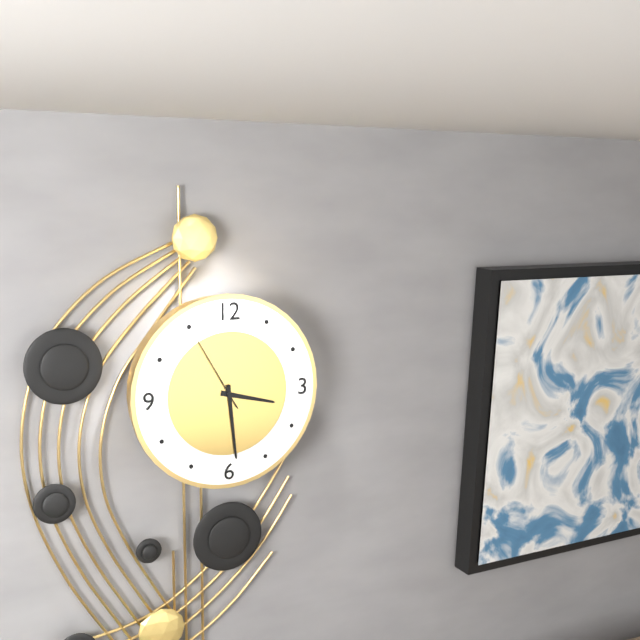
3:29:55
